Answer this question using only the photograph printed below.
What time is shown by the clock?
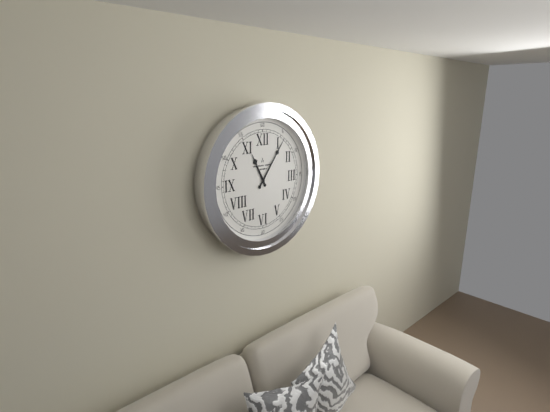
11:06
